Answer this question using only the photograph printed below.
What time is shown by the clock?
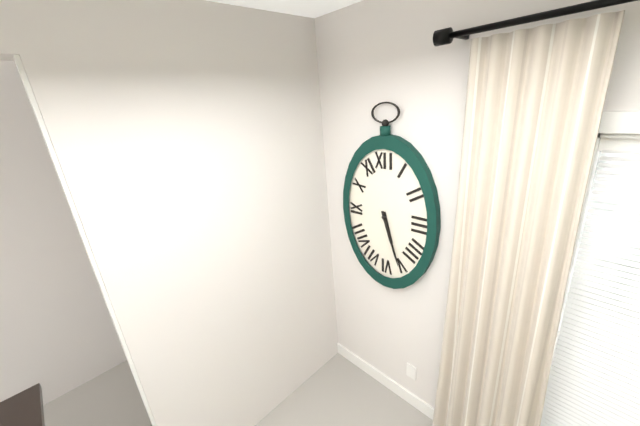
5:27
